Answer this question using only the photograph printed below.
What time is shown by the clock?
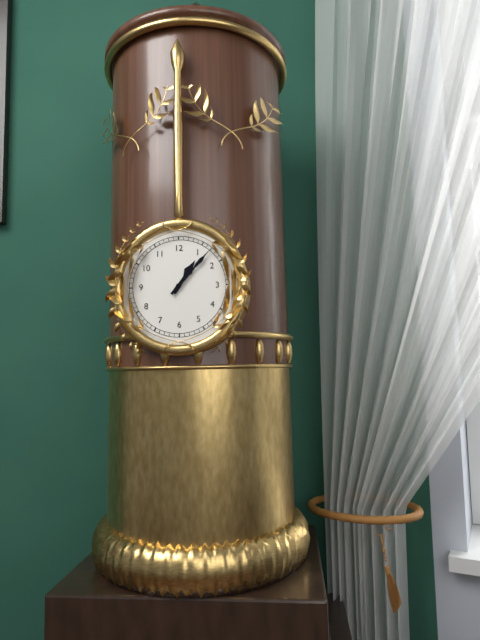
1:07
